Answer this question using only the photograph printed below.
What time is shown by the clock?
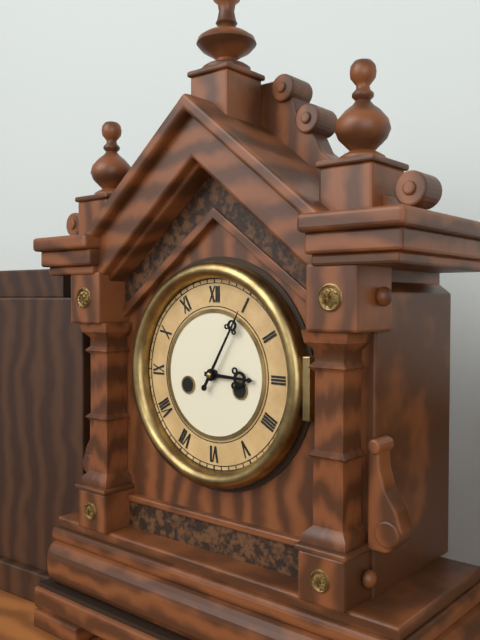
3:05
